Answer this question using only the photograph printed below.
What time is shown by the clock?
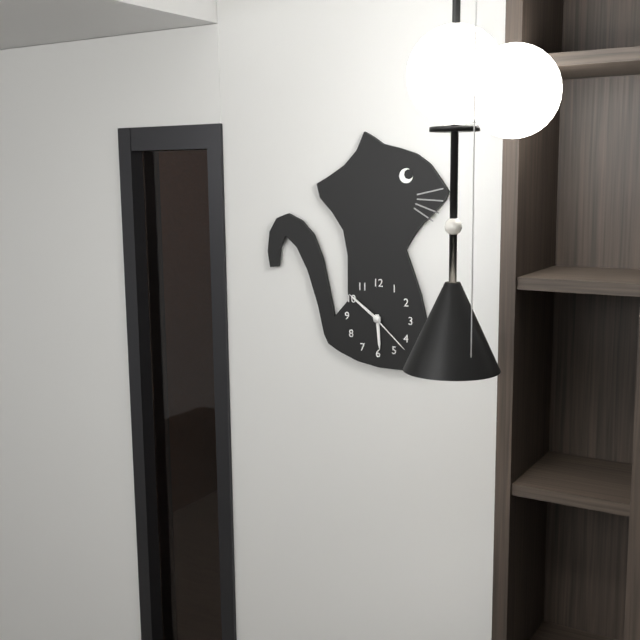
5:51:22
